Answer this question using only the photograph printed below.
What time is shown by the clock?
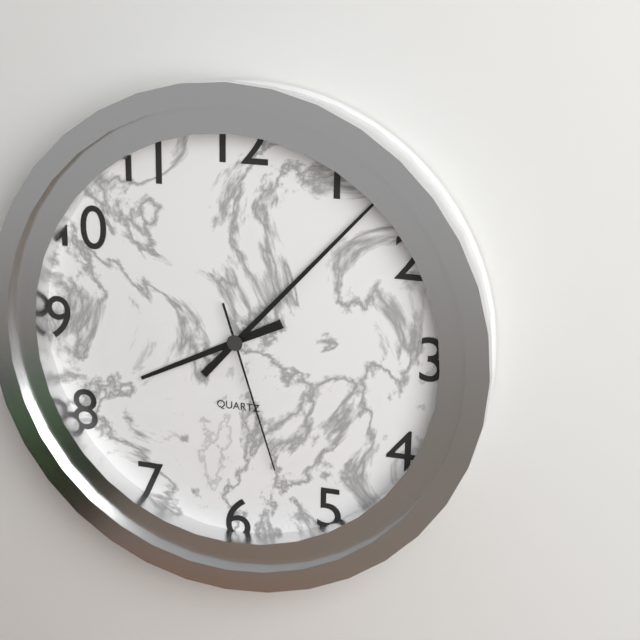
8:07:27
